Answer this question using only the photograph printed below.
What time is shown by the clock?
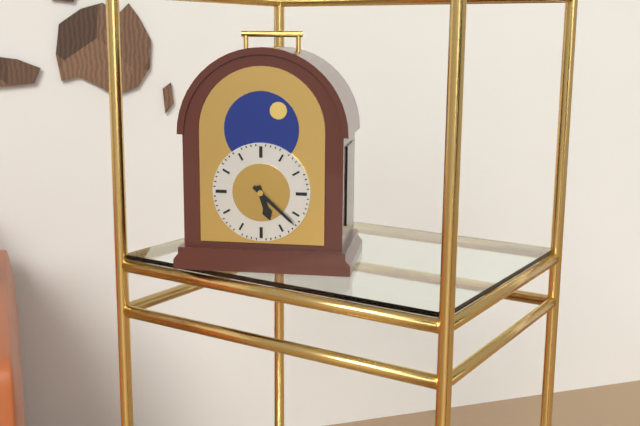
5:22
